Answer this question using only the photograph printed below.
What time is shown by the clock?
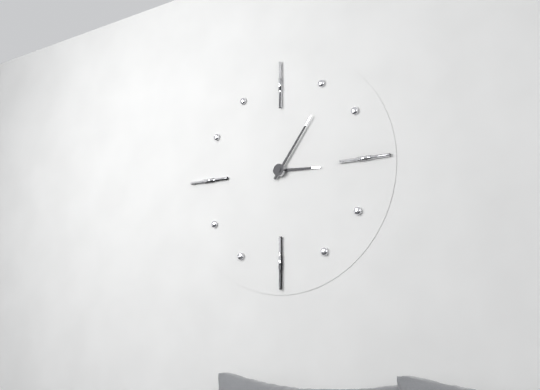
3:06
